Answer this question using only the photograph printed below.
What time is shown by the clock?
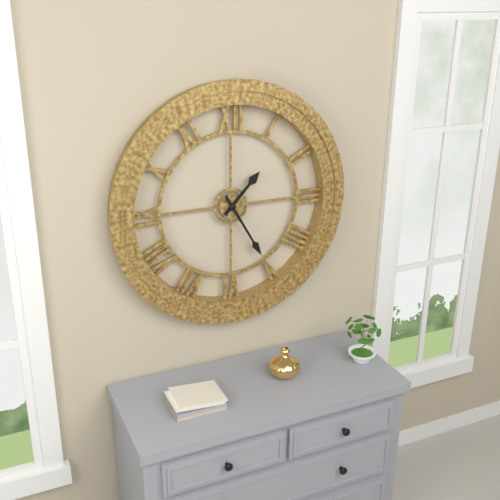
1:25
